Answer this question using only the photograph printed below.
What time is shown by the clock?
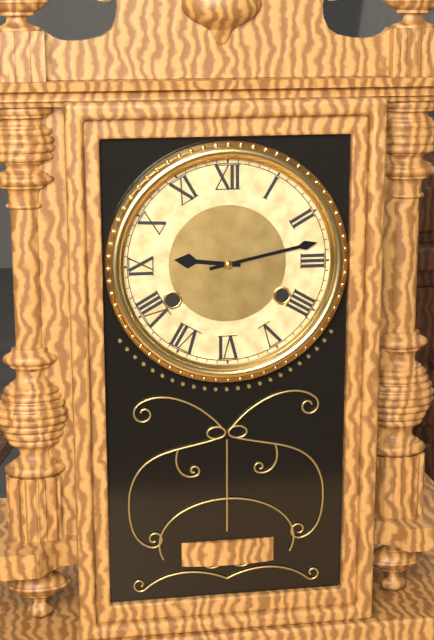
9:13
